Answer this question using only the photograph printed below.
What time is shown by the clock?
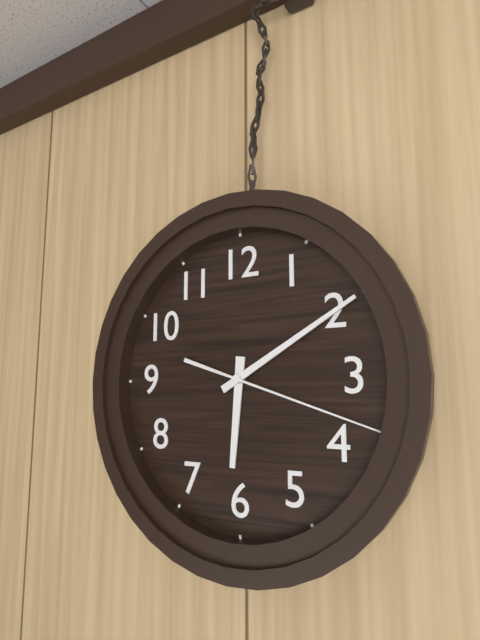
6:10:18
